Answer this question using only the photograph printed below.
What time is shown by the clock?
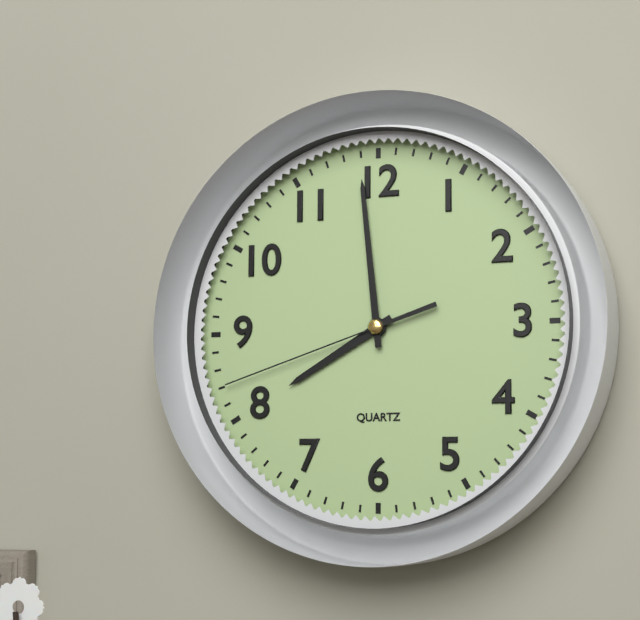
7:59:42
